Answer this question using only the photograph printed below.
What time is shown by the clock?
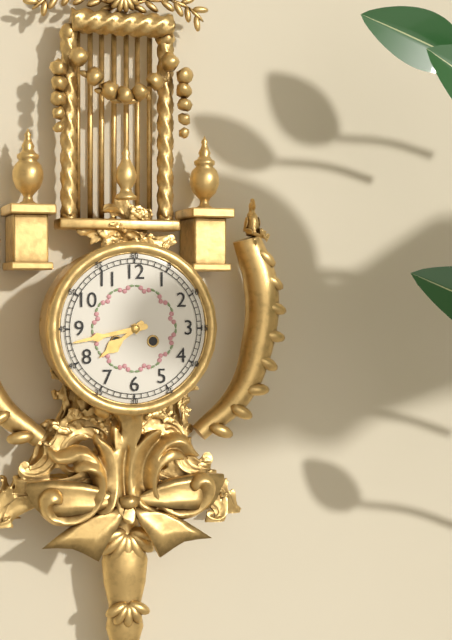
7:43
